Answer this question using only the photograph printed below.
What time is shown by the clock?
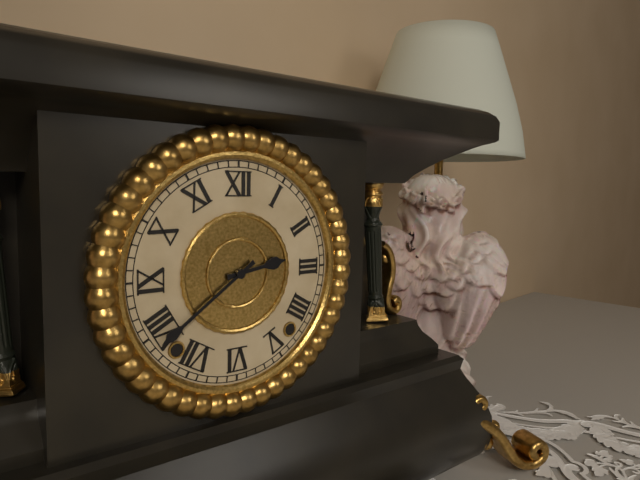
2:39
